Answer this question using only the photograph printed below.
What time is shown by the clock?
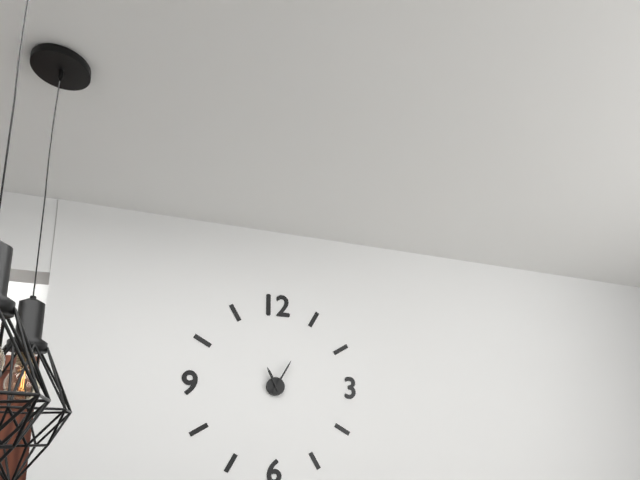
11:05
